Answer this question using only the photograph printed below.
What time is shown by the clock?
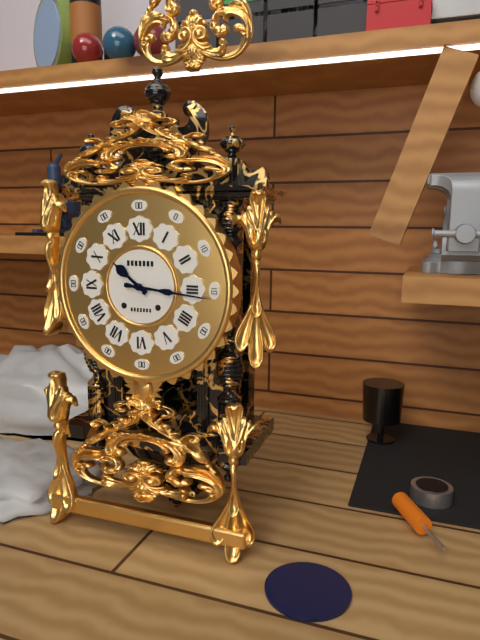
10:16
